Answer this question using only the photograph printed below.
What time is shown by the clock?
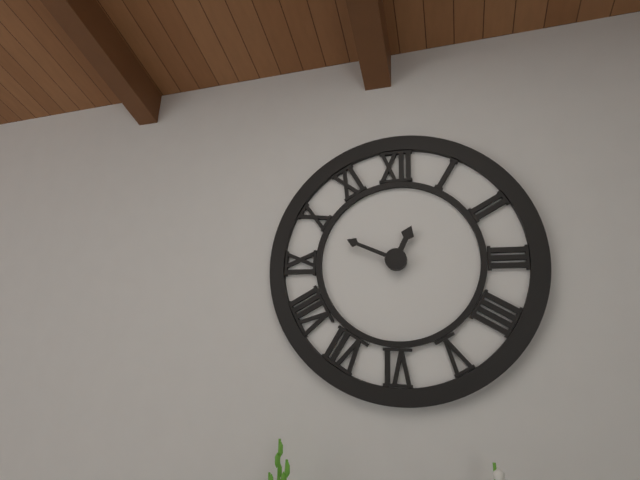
12:49
